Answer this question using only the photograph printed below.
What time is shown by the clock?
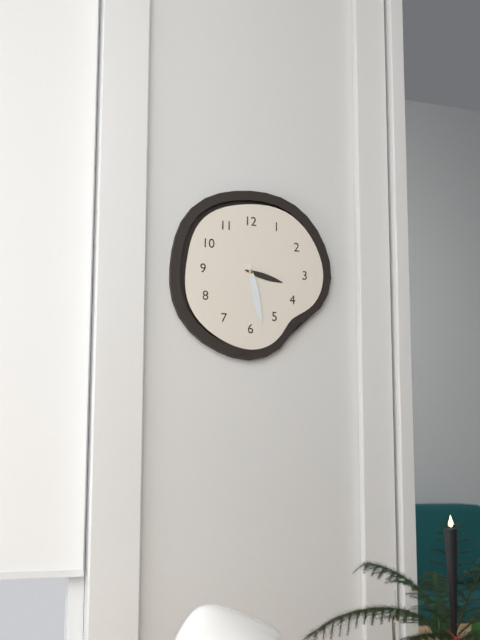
3:28
